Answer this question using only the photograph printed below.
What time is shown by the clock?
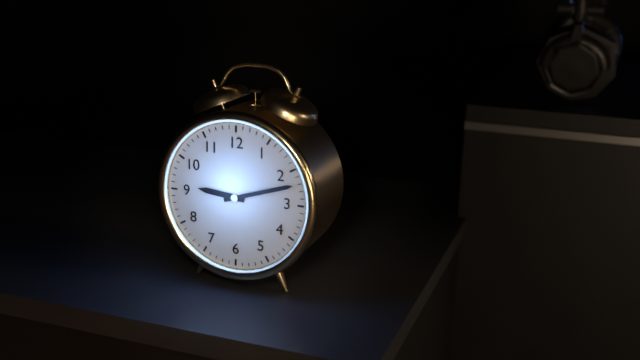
9:12
